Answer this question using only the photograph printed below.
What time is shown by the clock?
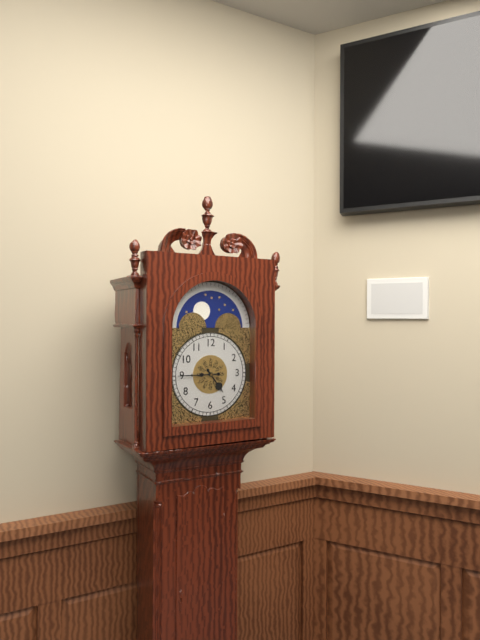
4:45
